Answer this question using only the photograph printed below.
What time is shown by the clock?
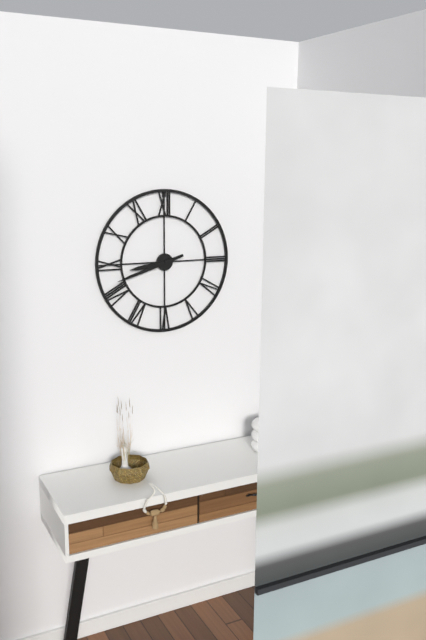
8:42
